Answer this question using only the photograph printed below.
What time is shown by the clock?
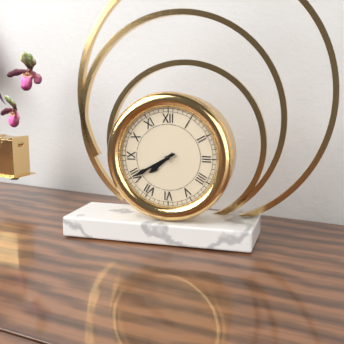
7:40
